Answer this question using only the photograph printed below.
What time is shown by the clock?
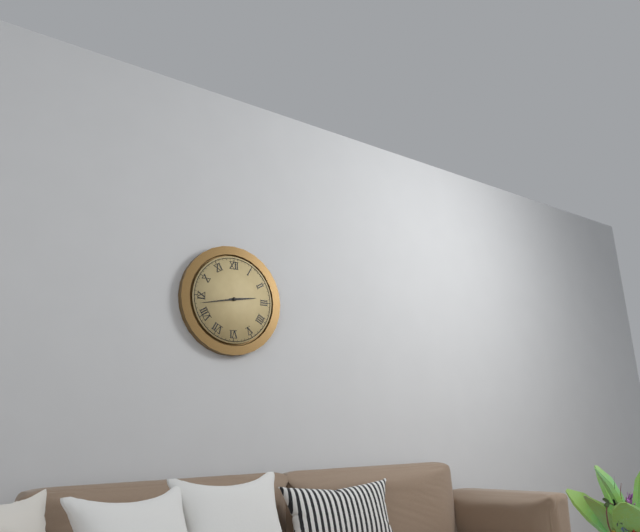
2:43
